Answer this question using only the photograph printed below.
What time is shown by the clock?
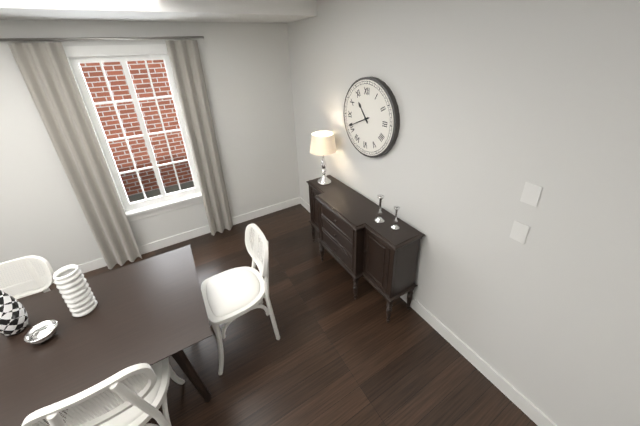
10:41
